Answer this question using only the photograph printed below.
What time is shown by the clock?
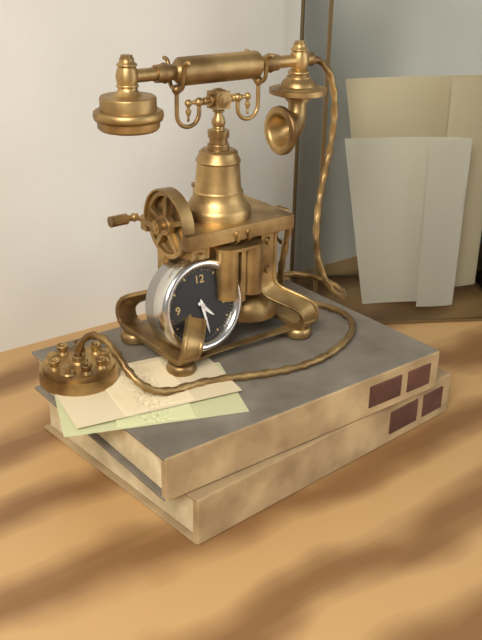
4:28
